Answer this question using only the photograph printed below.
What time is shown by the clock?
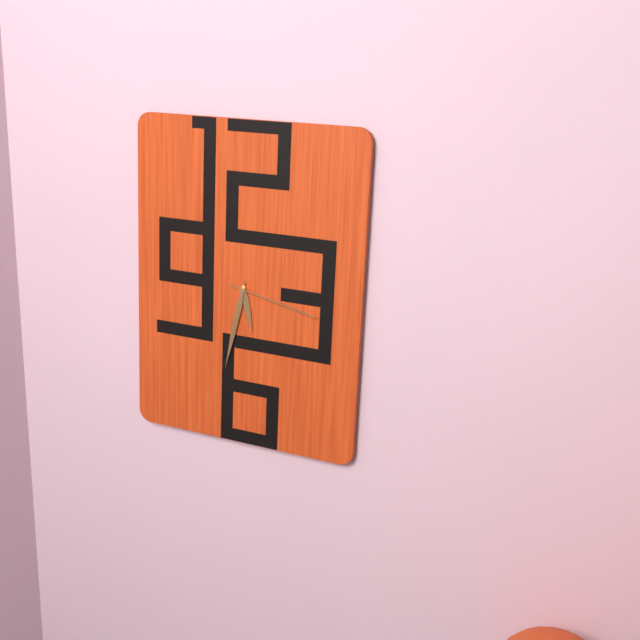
5:32:17
